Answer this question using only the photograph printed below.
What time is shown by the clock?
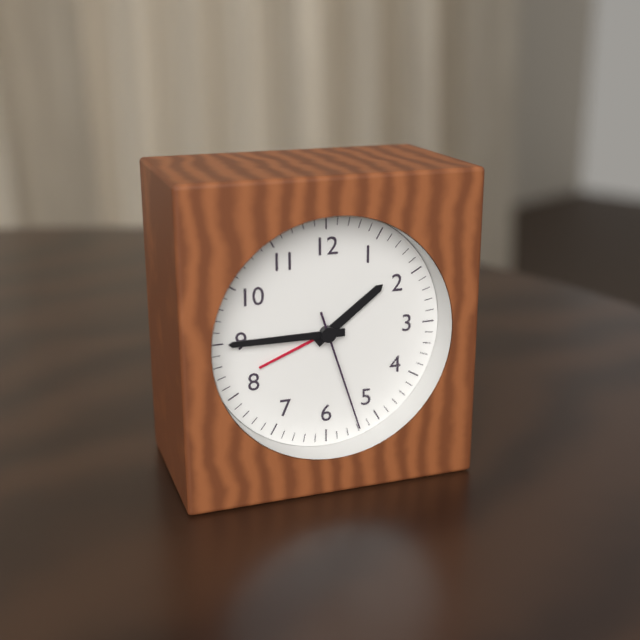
1:45:27
